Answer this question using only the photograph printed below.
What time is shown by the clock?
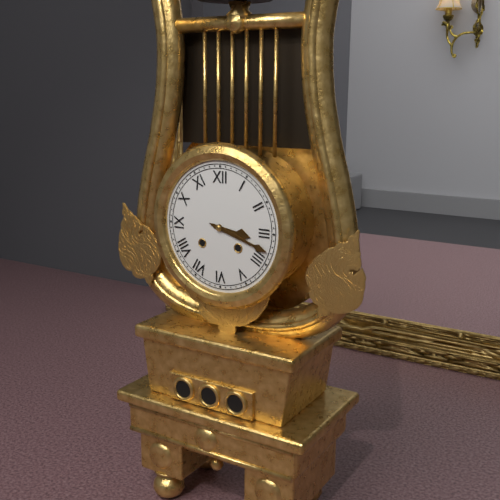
3:18
